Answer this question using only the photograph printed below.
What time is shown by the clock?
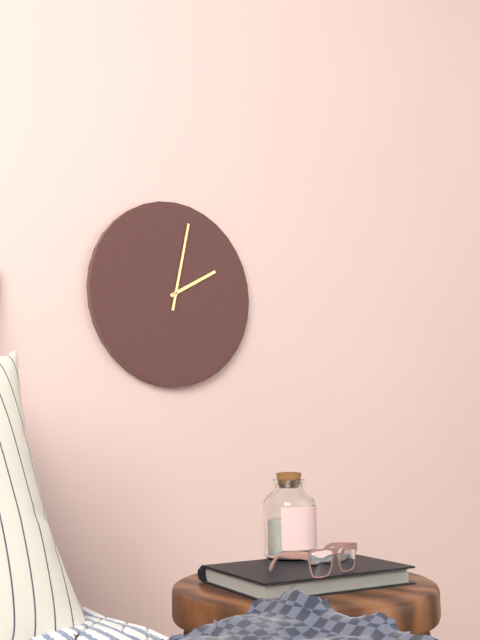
2:02
